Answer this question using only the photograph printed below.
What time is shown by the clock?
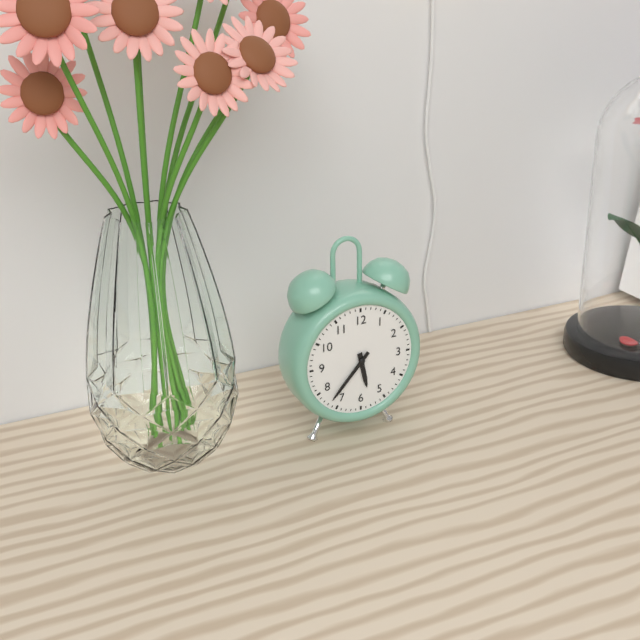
5:37
